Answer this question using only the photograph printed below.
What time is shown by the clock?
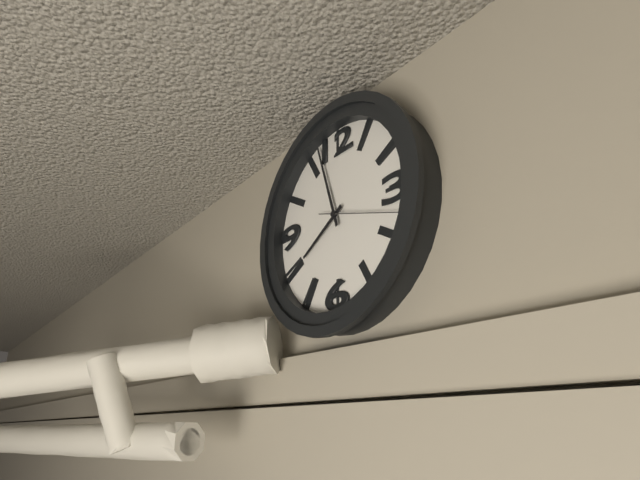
7:57:18
